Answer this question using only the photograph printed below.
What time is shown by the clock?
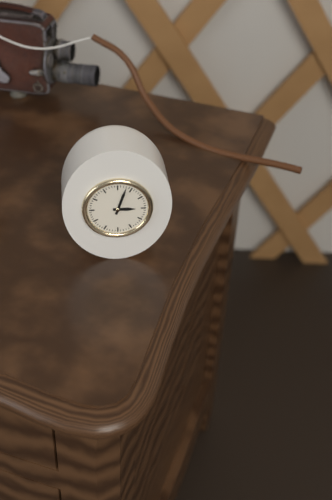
3:03
